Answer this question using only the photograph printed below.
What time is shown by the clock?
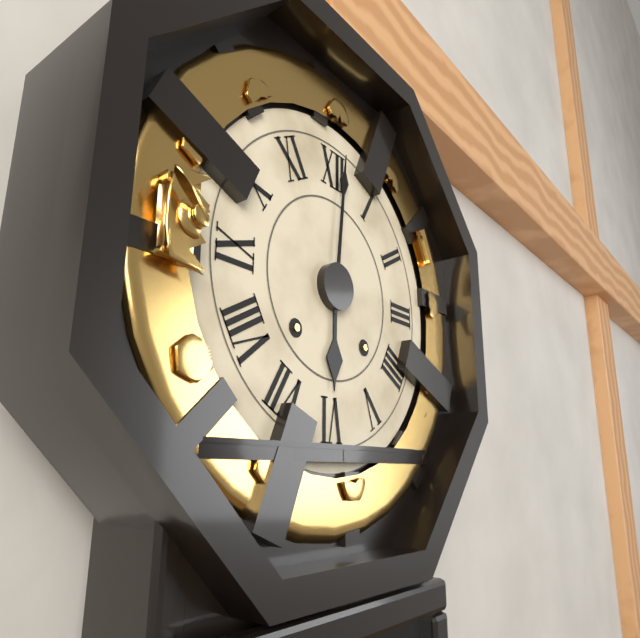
6:01
